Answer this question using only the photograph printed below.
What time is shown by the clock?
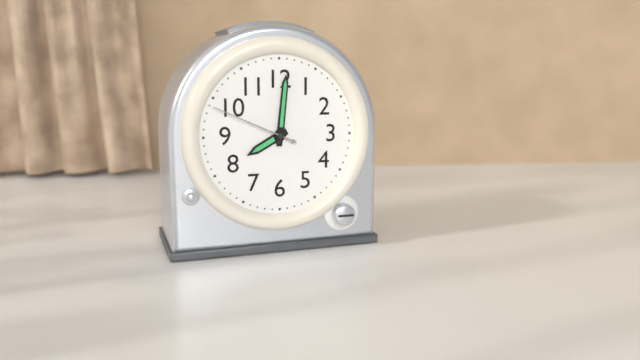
8:01:49
